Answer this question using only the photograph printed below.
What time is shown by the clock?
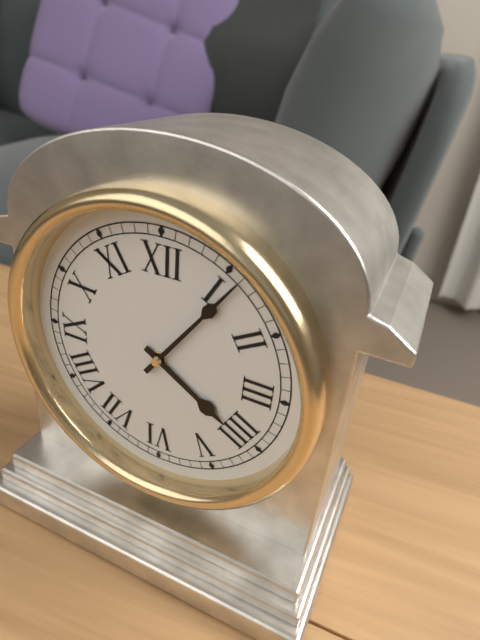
4:06
